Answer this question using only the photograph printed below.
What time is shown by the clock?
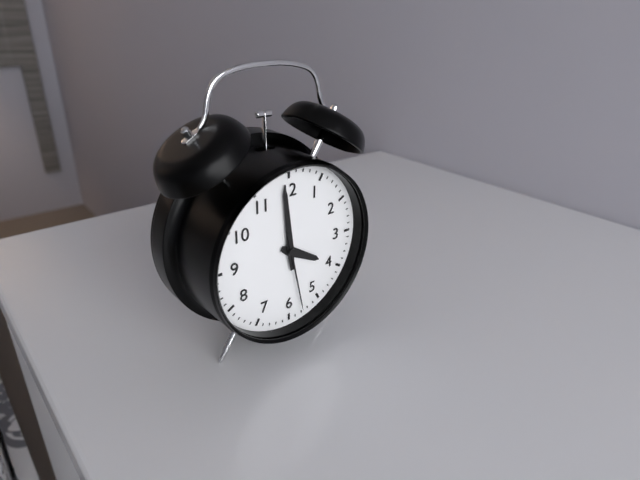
3:59:28
